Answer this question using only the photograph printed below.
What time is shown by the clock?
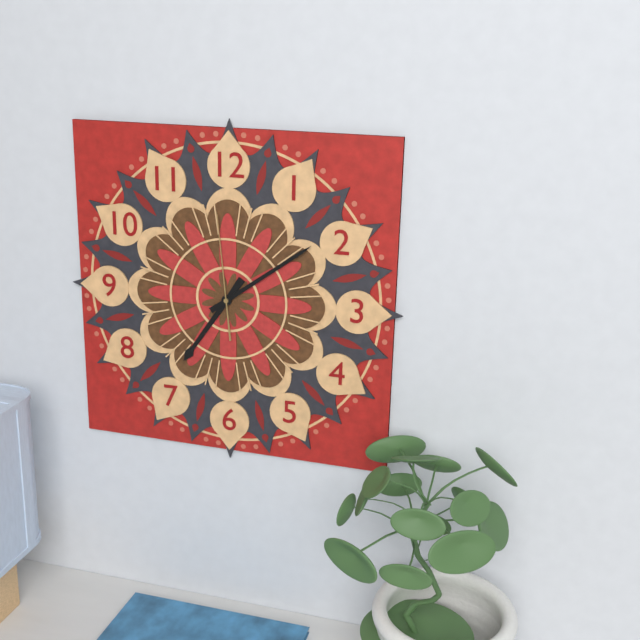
7:09:59
